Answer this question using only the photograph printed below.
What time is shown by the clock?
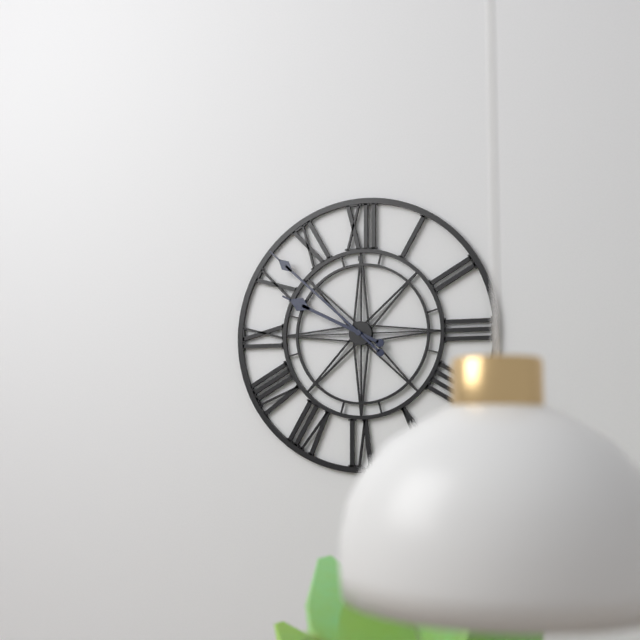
9:52
